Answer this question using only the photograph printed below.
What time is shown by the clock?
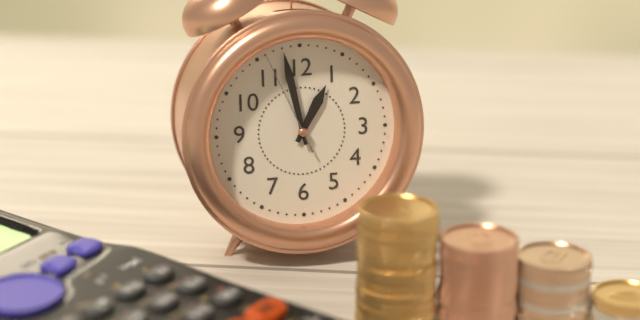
12:58:56
